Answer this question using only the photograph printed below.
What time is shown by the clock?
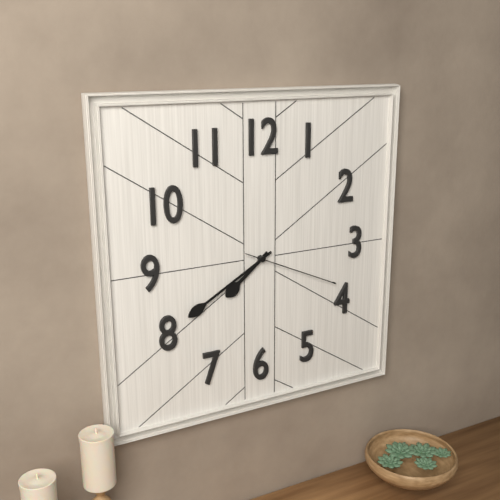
7:40:19
